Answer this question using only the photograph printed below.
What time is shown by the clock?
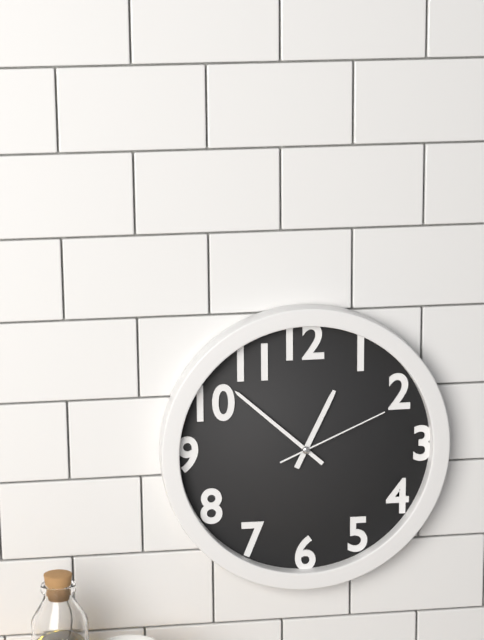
12:52:11
